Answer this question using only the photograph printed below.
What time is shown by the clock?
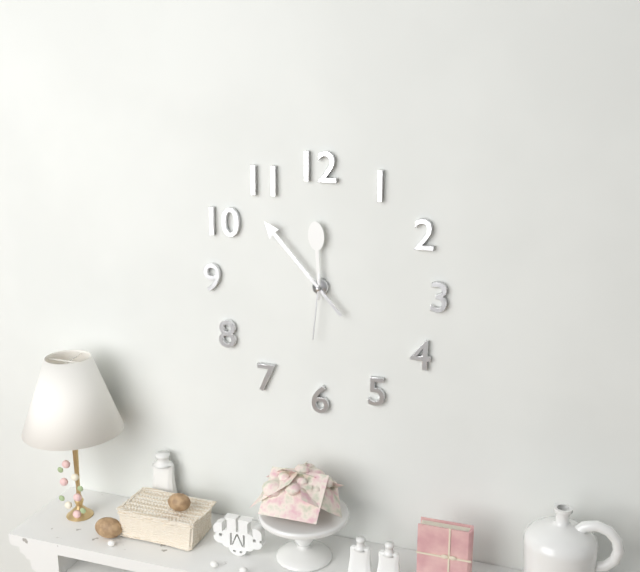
11:53:31
